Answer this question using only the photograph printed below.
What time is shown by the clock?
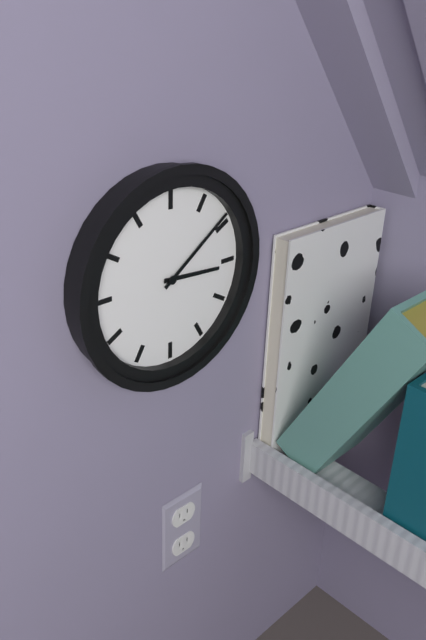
3:09
